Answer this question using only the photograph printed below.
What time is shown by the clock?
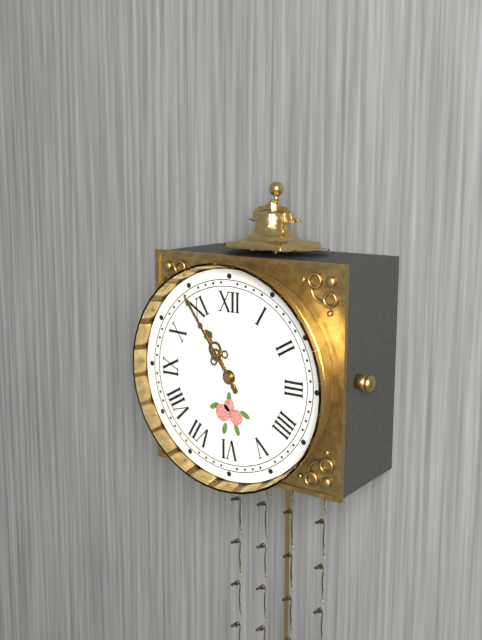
10:54
